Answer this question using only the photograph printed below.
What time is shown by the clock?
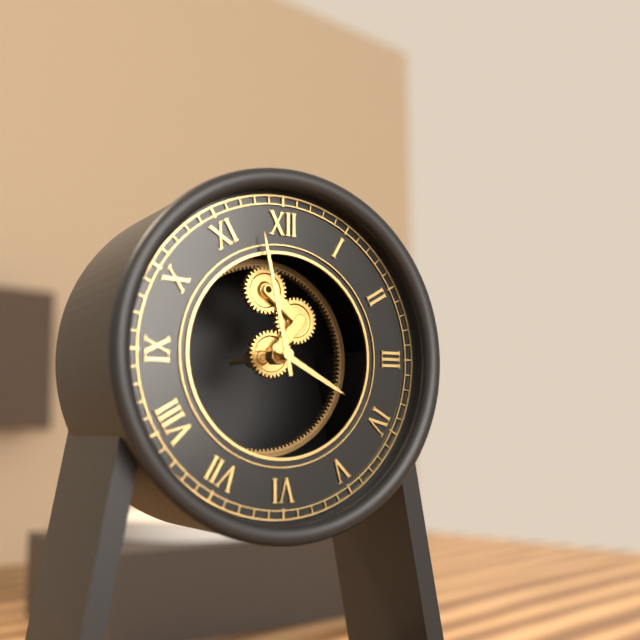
3:58
